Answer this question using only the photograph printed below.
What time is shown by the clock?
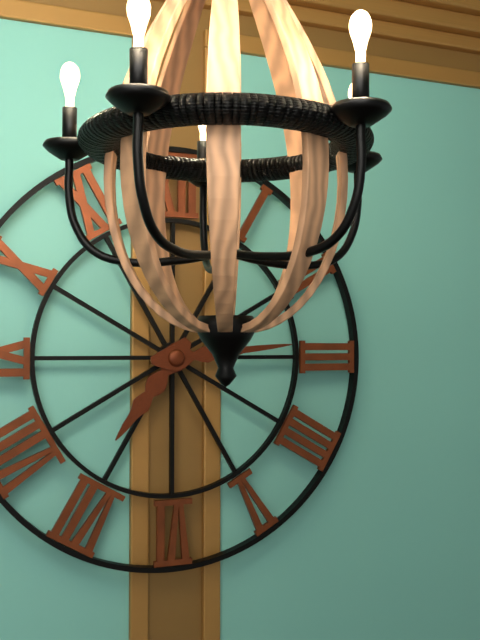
7:14
